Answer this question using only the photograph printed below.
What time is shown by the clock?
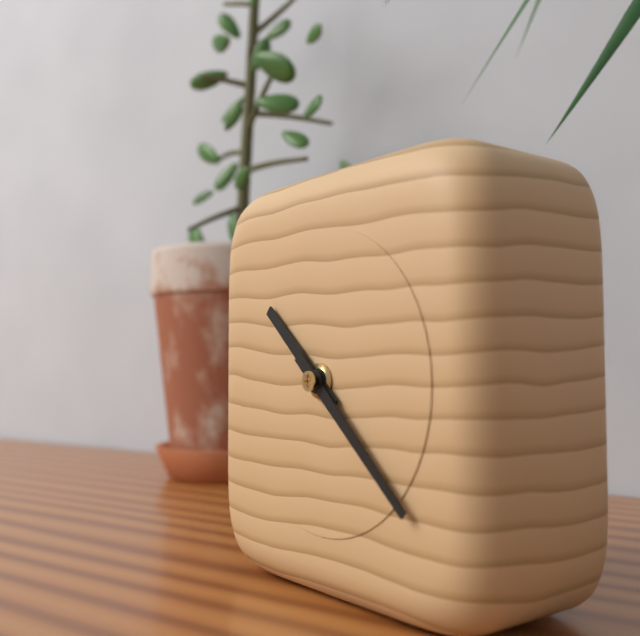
10:22
